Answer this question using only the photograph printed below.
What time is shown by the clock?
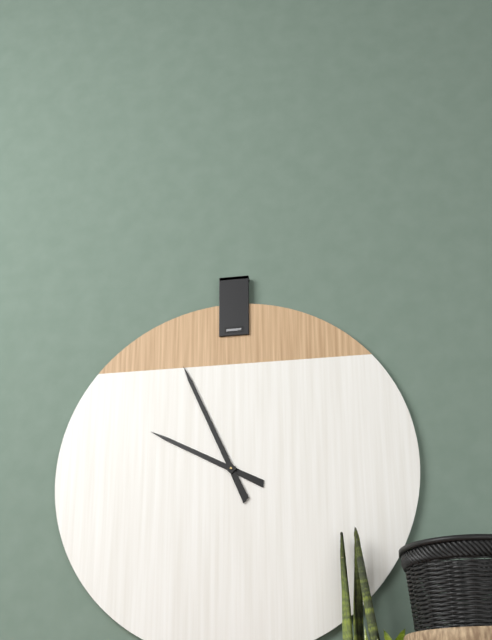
9:56
